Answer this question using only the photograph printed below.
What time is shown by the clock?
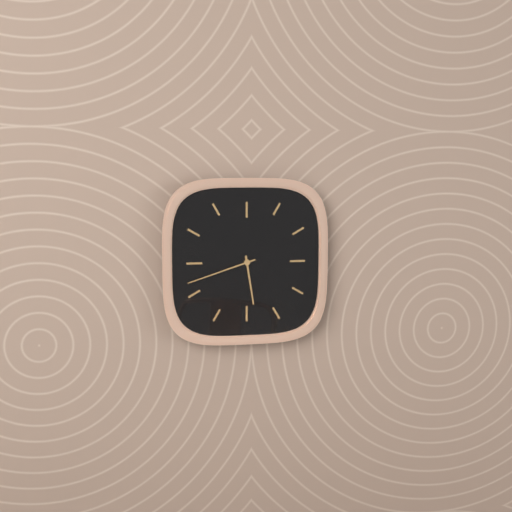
5:42
